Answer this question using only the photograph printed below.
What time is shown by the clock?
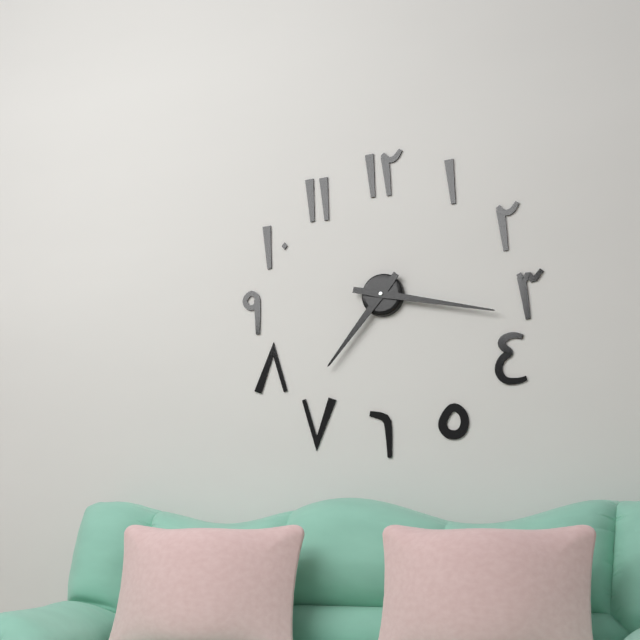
7:17
